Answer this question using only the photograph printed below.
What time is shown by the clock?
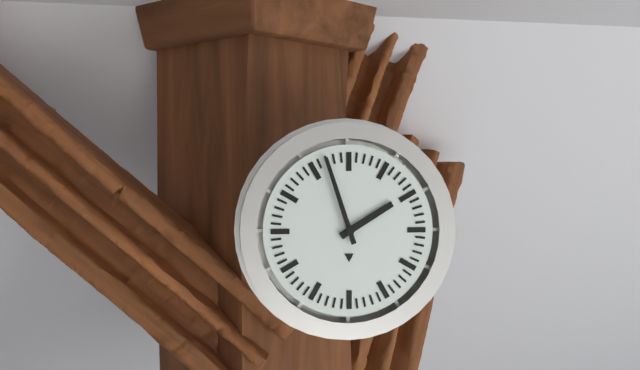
1:57
